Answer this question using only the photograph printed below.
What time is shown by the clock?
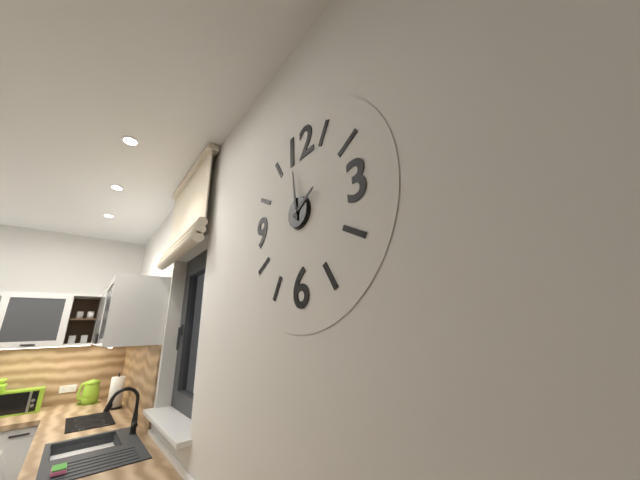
1:59
